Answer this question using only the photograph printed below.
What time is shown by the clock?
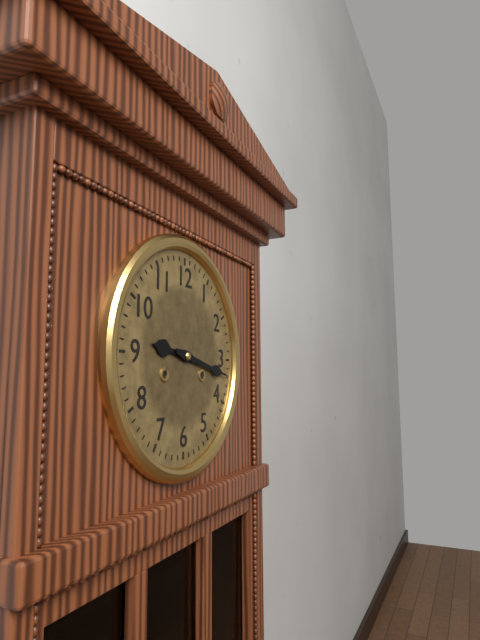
9:17
